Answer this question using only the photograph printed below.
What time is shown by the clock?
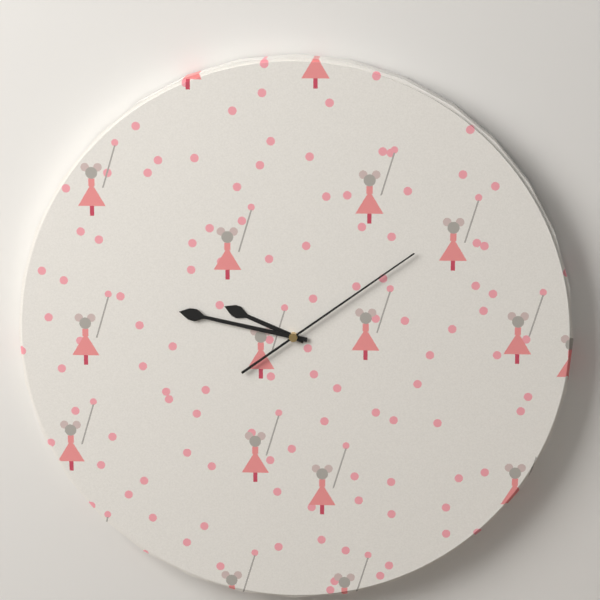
9:47:09
